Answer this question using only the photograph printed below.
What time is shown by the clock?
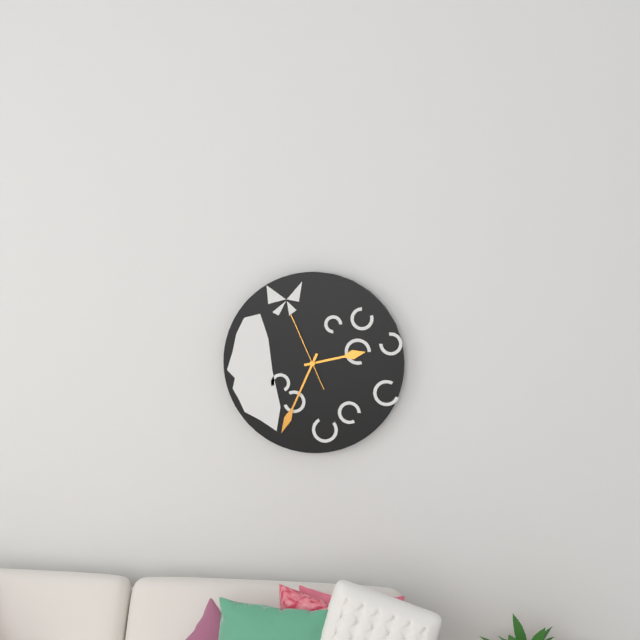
2:34:56
